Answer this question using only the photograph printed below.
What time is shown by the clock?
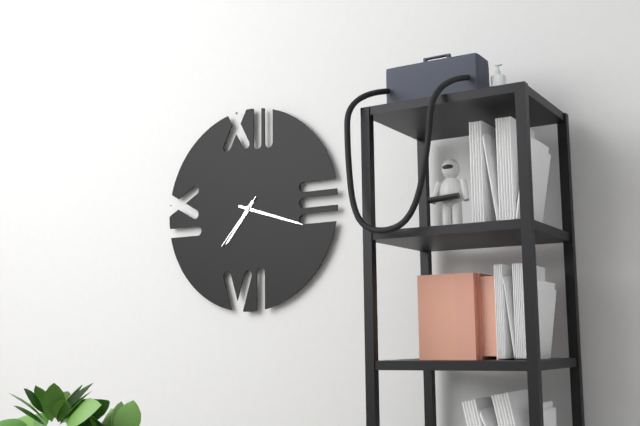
7:18:37
